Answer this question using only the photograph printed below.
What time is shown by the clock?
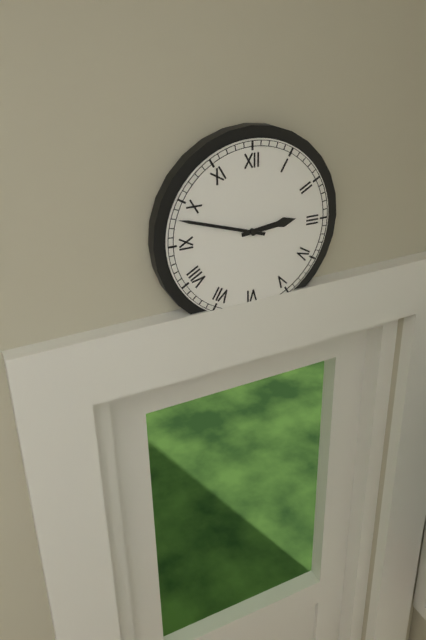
2:48
